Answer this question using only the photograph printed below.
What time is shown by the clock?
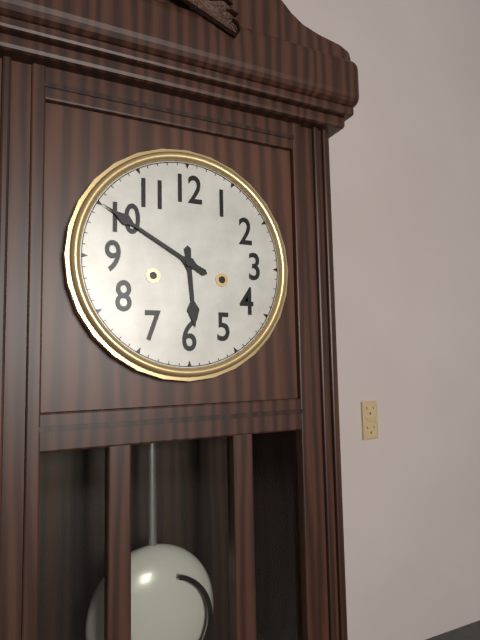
5:50
